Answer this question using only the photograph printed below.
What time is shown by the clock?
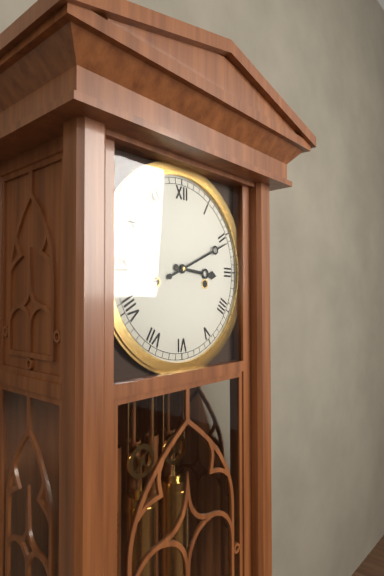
3:11
